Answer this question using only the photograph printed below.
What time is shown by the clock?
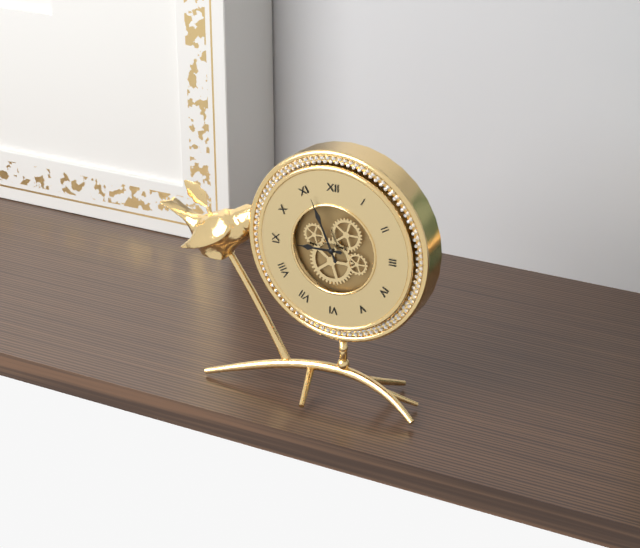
8:56
